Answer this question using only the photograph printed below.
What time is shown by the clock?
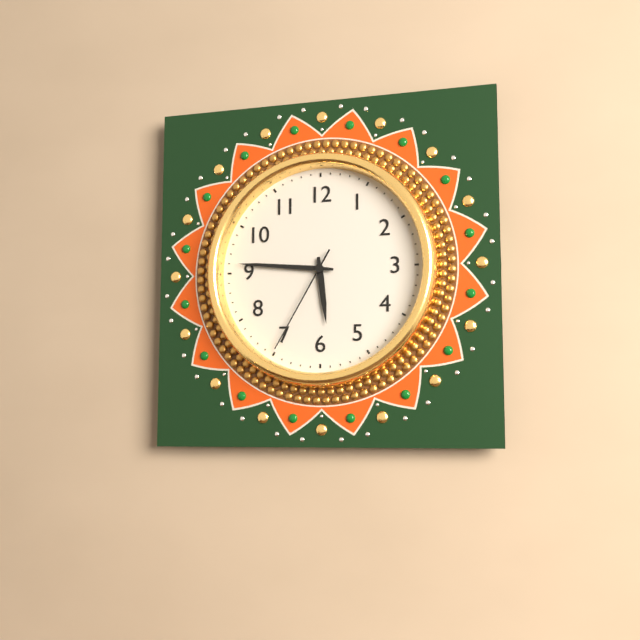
5:46:35
